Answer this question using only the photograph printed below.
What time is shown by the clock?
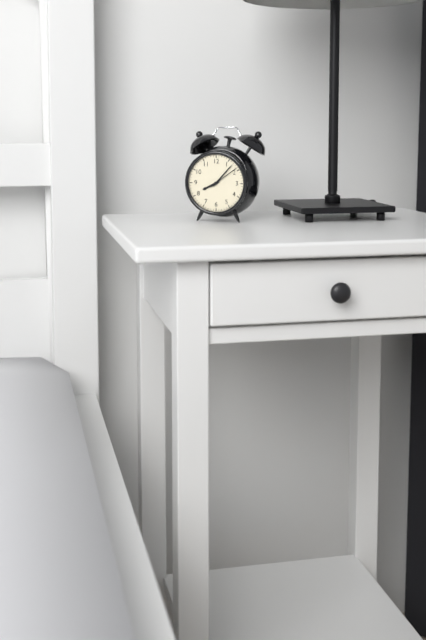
8:07
